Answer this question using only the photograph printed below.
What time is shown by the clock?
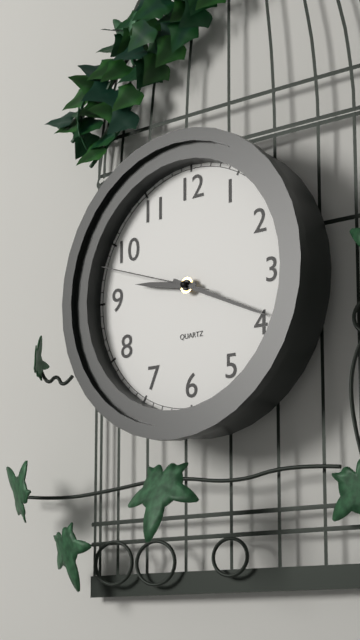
9:19:48
